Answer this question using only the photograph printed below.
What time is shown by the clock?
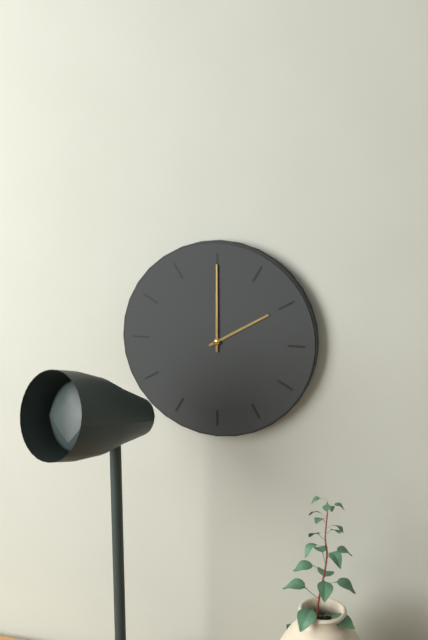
2:00
